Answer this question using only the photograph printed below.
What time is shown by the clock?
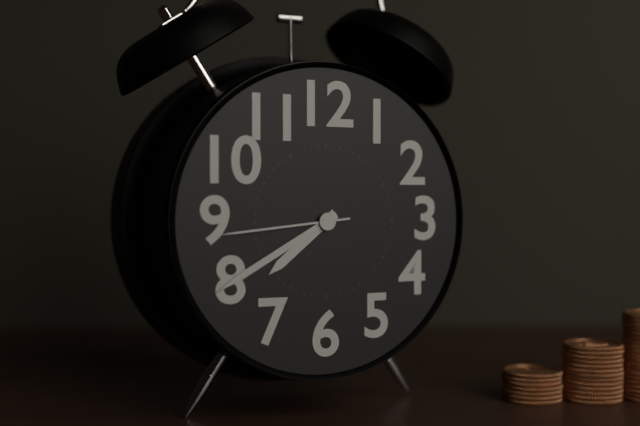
7:40:44
